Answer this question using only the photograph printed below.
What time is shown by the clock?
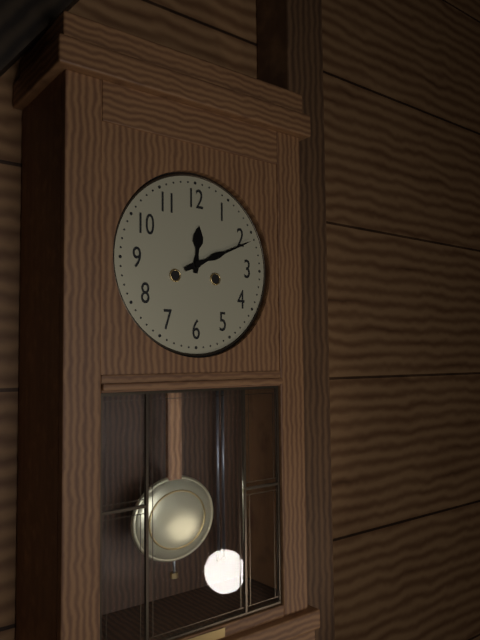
12:11
